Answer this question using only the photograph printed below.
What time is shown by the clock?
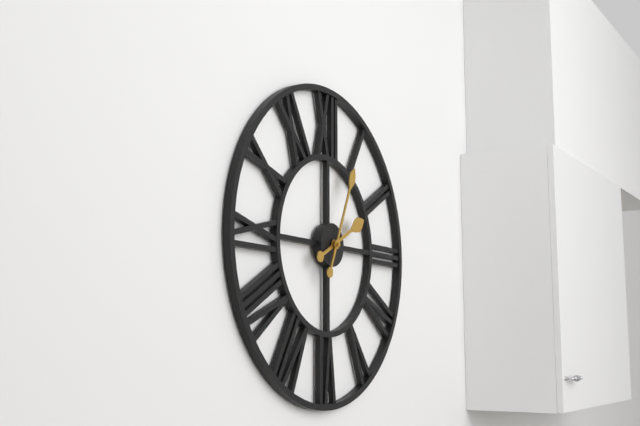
2:04
